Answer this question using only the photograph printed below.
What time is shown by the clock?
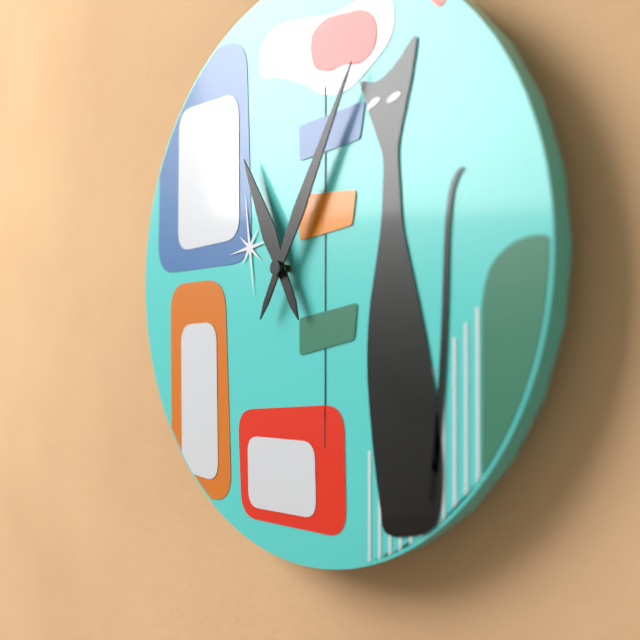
11:05
